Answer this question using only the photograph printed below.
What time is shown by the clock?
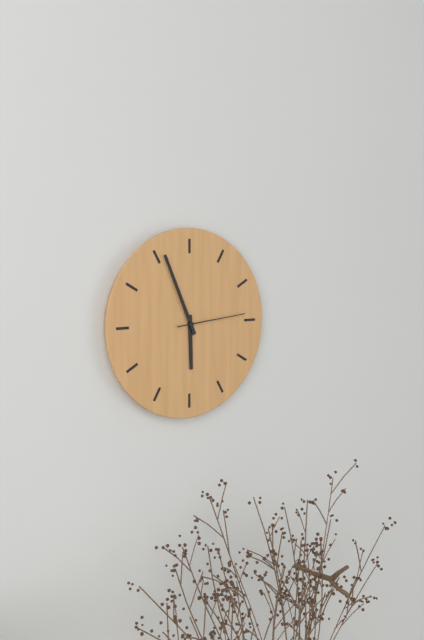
5:56:14
